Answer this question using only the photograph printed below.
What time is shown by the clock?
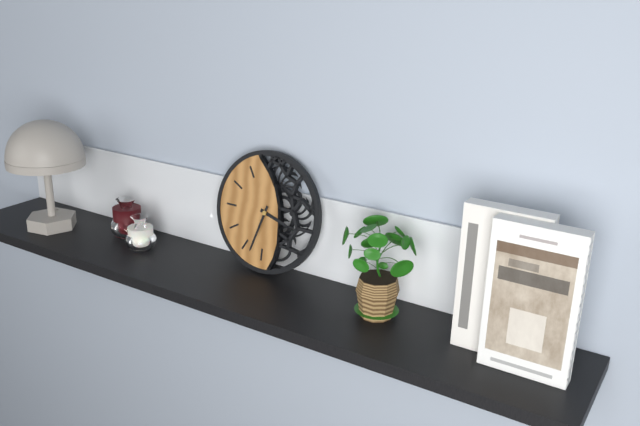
3:33
